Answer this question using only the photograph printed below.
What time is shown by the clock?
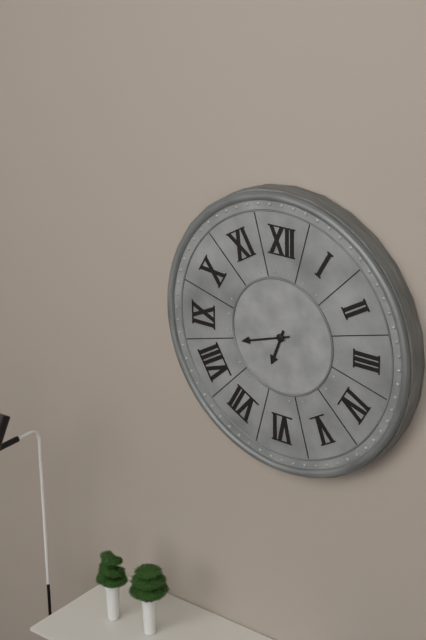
6:42
